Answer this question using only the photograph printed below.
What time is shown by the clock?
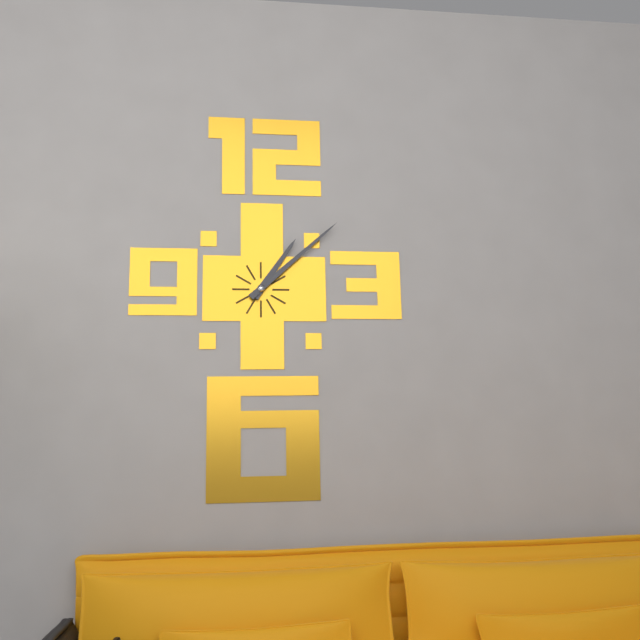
1:08
